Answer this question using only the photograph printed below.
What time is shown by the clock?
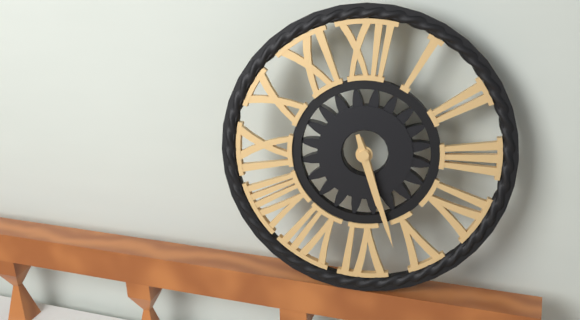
5:27
